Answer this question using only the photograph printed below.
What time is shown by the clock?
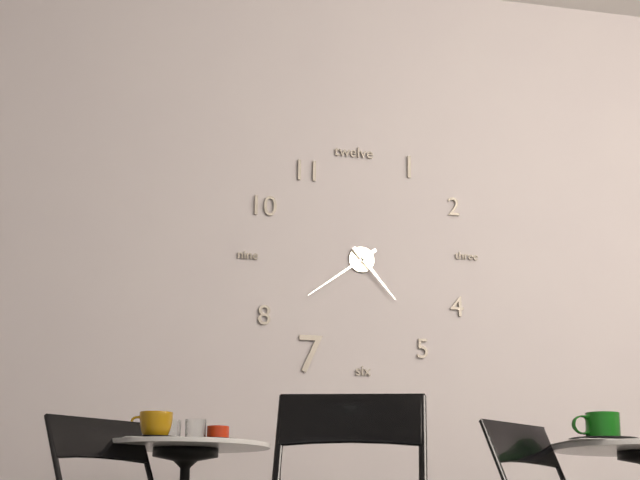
4:39
